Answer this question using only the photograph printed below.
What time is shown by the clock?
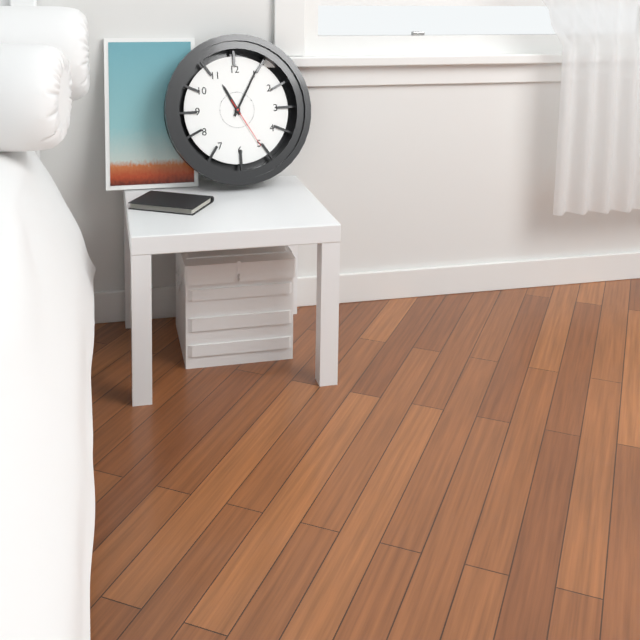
11:05:25
